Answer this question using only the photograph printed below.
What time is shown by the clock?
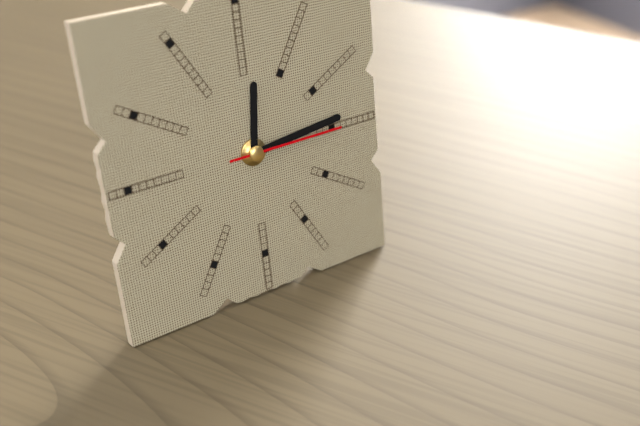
12:14:15
